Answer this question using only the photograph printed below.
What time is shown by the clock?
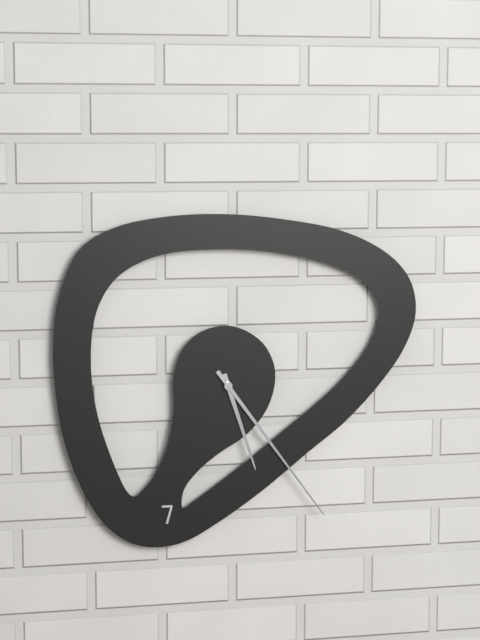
5:24
